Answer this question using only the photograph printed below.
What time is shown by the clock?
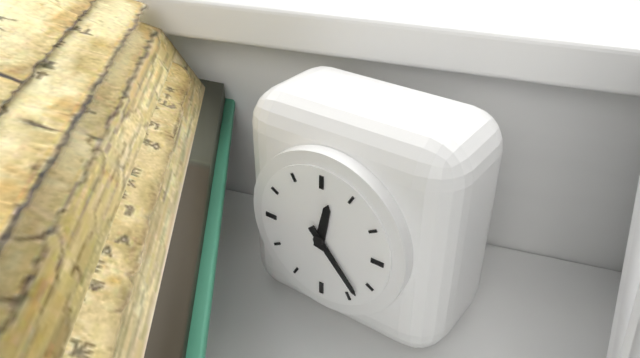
12:23
